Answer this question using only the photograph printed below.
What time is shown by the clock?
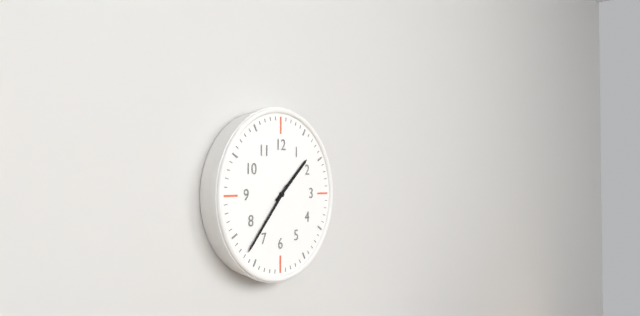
1:37
